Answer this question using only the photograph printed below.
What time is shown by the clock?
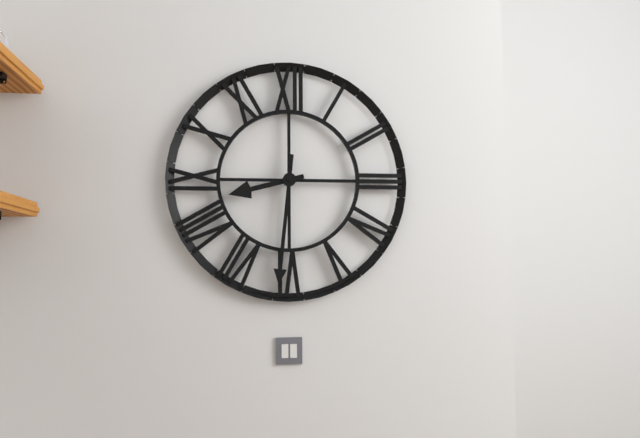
8:31
